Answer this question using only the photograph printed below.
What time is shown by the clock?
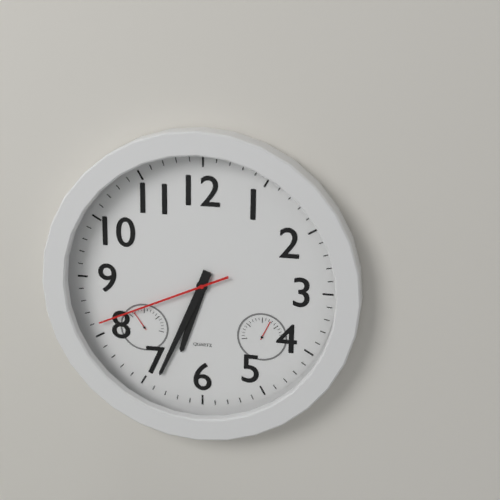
6:34:41
